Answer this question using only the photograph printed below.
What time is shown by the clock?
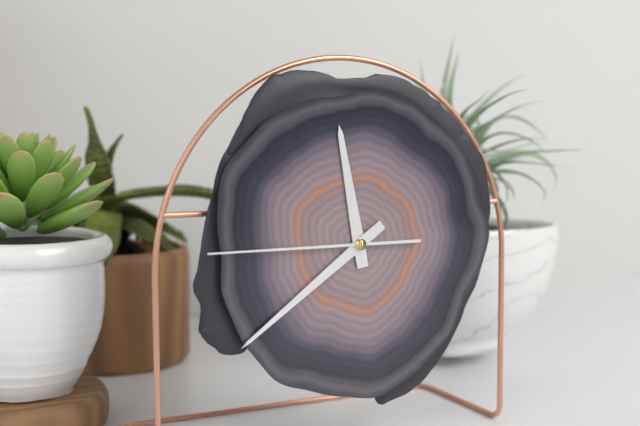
11:39:45
